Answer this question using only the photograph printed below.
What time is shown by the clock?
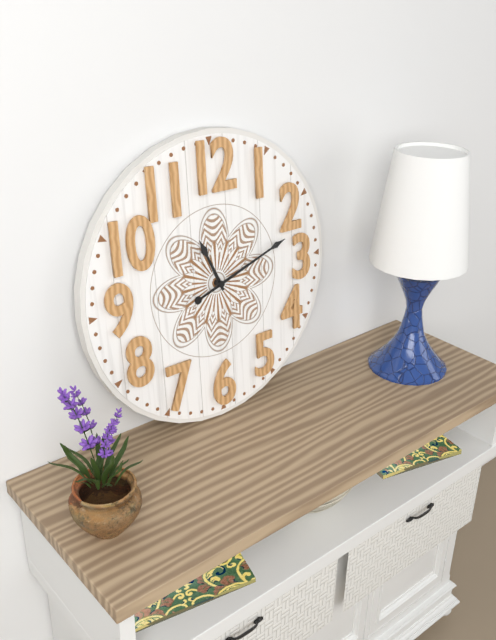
11:12
